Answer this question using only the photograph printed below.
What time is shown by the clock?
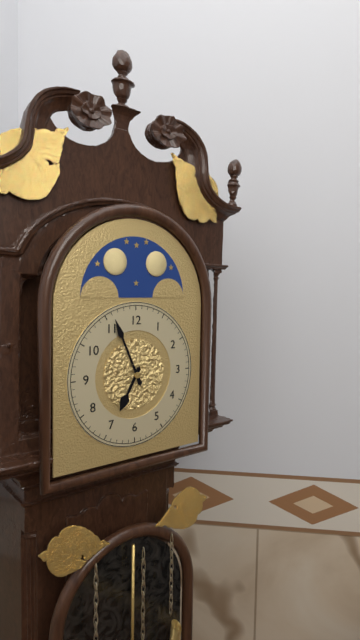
6:56
